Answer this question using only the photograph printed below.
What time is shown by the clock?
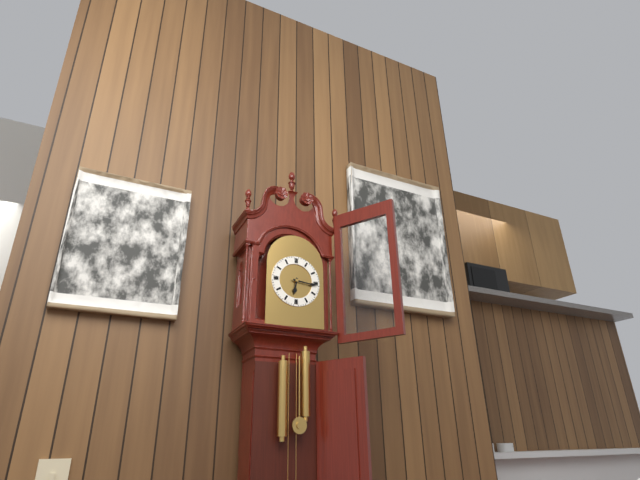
6:16
